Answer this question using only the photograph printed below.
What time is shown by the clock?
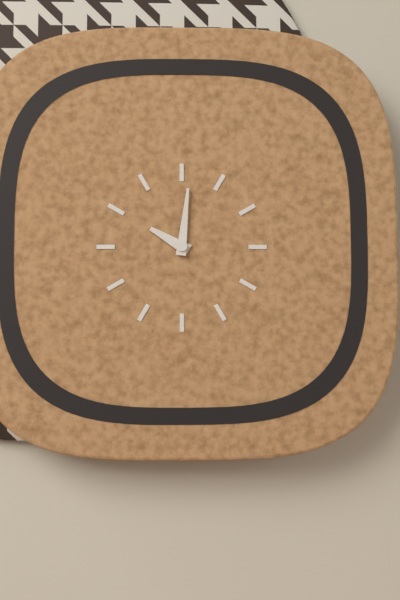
10:01
